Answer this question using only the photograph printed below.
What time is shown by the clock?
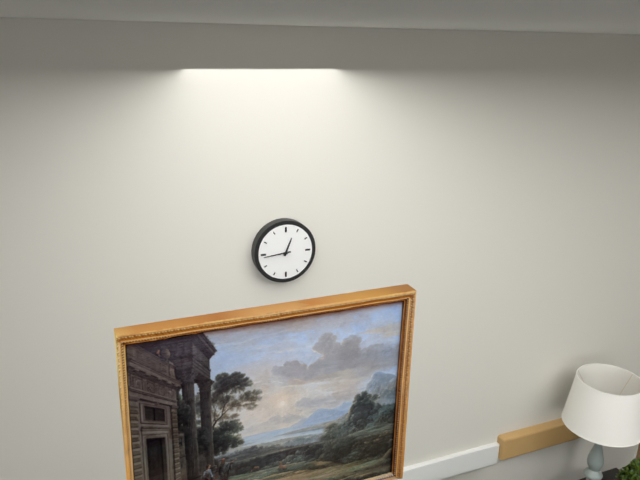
12:44
